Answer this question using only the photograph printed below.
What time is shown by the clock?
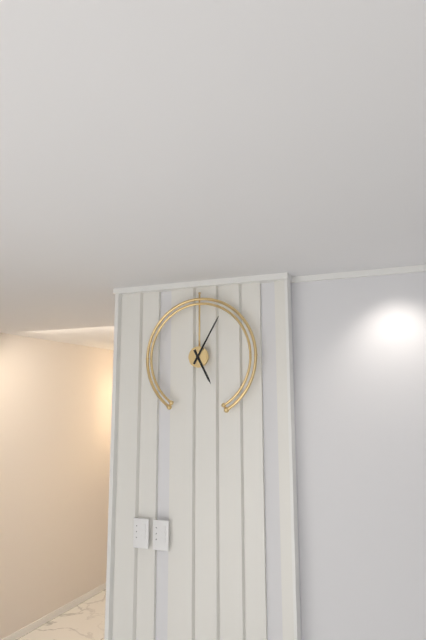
5:05
